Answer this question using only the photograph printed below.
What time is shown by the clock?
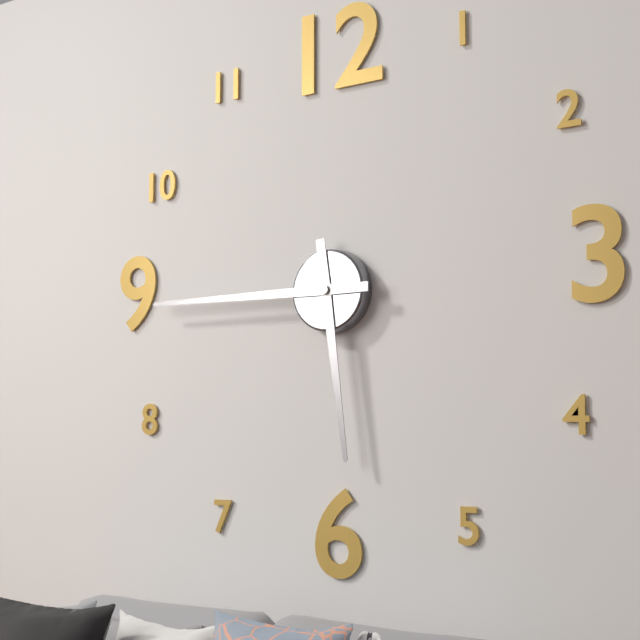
5:45
